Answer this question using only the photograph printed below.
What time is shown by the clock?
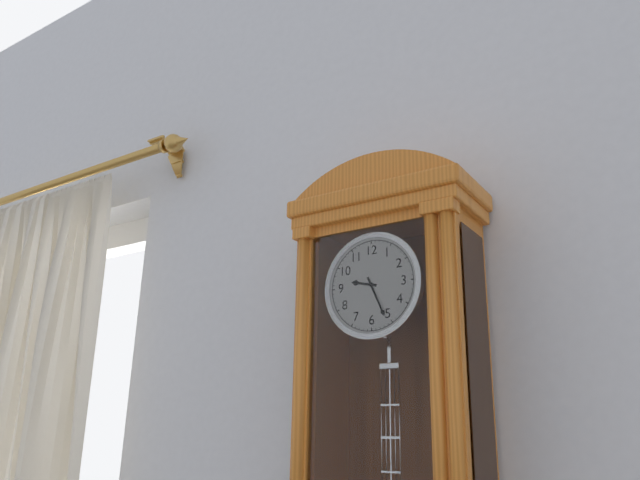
9:26
